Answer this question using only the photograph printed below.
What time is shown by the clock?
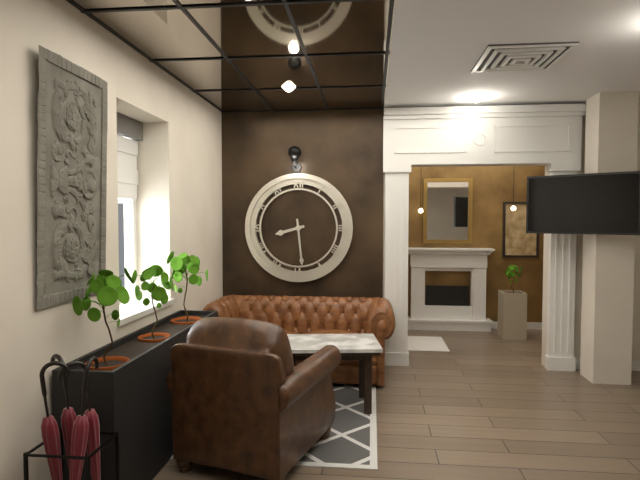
8:29
